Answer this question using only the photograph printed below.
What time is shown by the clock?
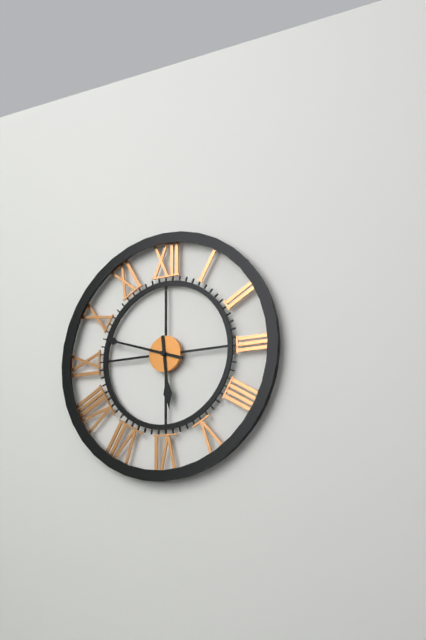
5:48
